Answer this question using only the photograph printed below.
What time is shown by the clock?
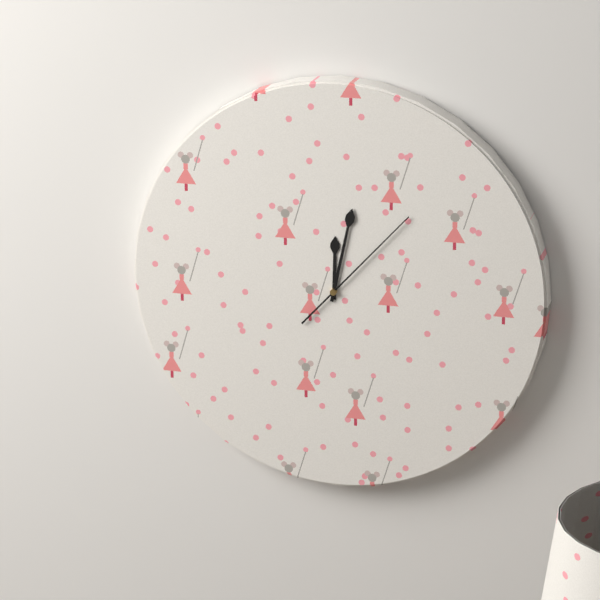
12:02:07
